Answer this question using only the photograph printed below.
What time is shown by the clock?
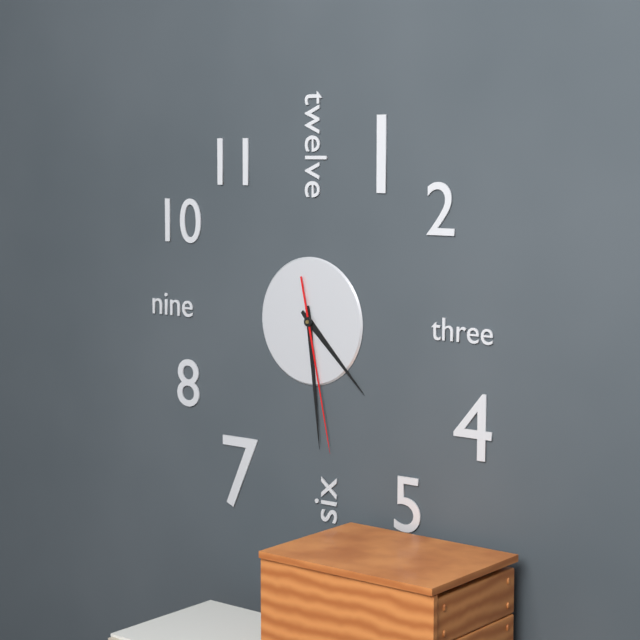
4:29:28
